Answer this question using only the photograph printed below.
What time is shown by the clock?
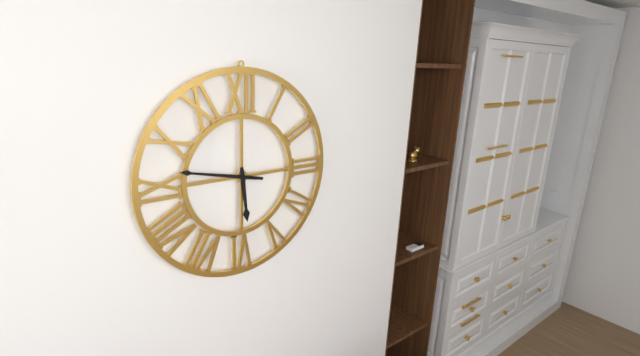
5:47
